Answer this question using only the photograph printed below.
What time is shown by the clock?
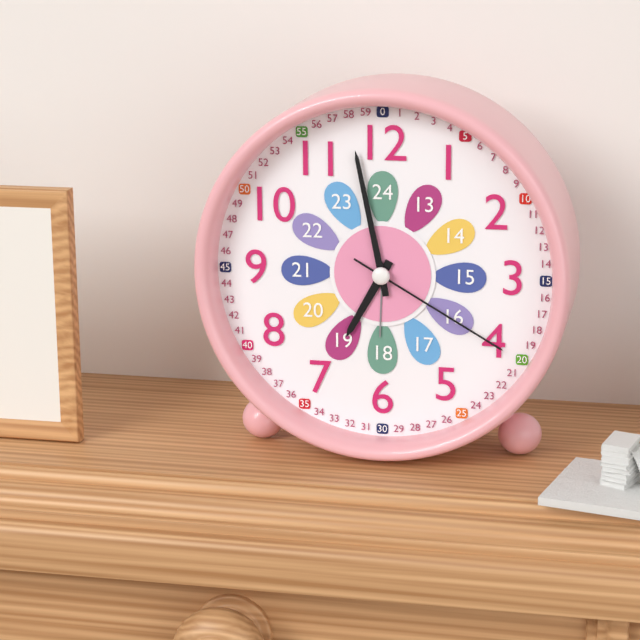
6:58:20
